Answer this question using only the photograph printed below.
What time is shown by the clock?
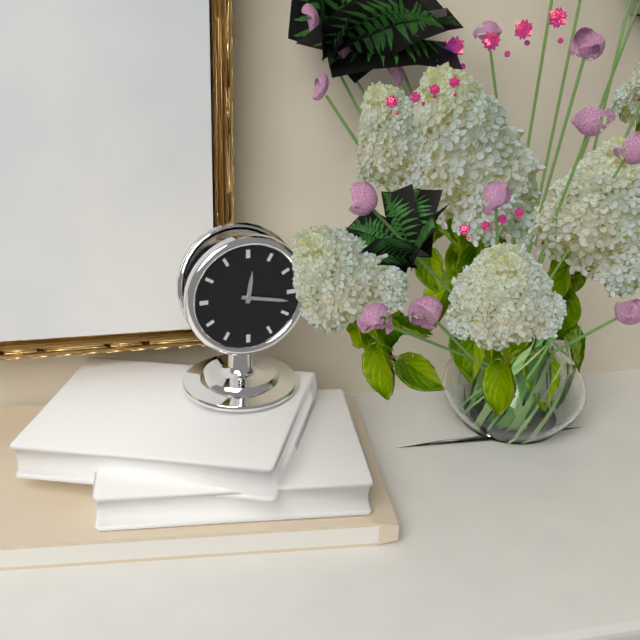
12:17
